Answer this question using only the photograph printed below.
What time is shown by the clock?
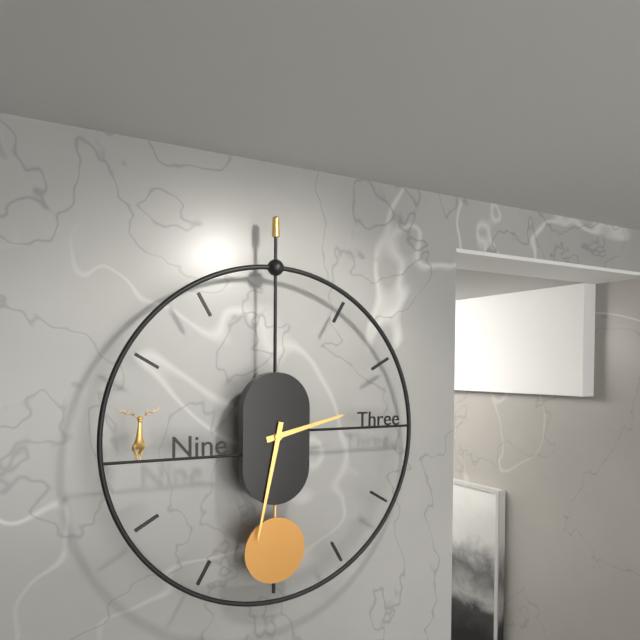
2:32
